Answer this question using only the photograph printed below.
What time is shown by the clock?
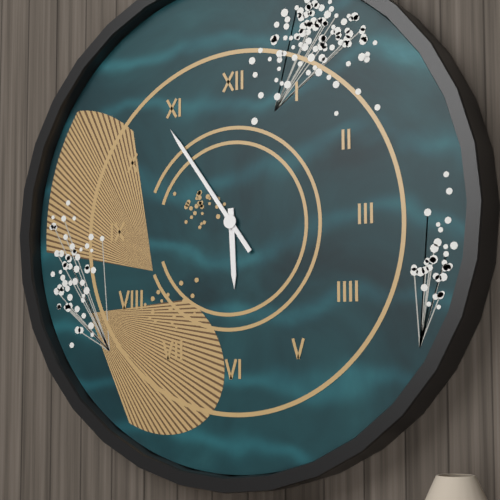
5:54
